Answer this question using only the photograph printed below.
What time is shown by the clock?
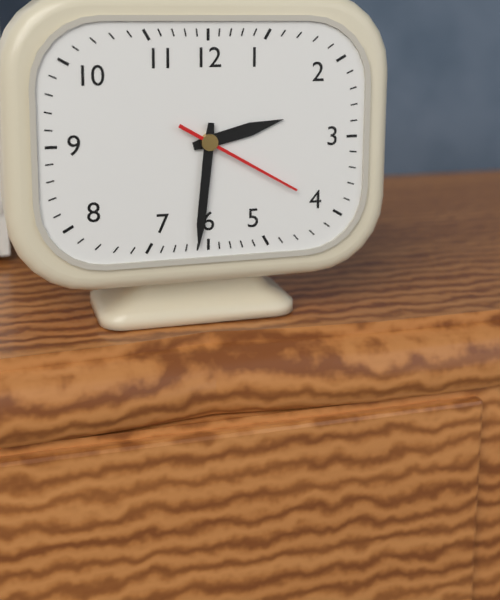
2:31:20
